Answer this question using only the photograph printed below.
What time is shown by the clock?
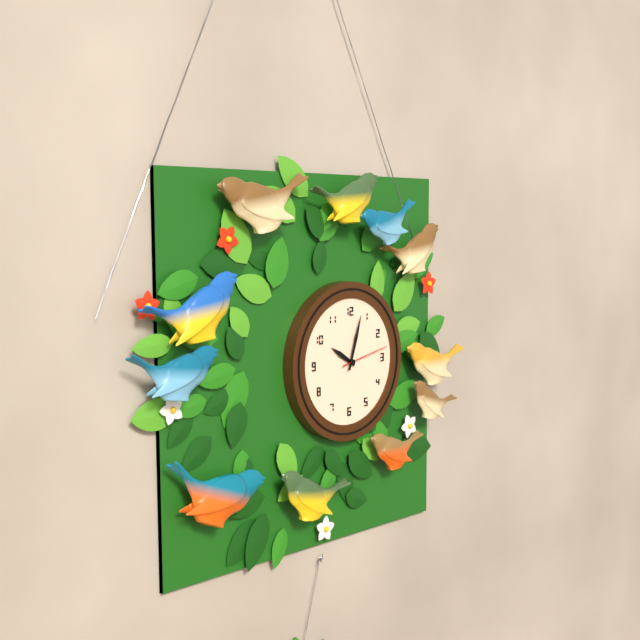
10:03
